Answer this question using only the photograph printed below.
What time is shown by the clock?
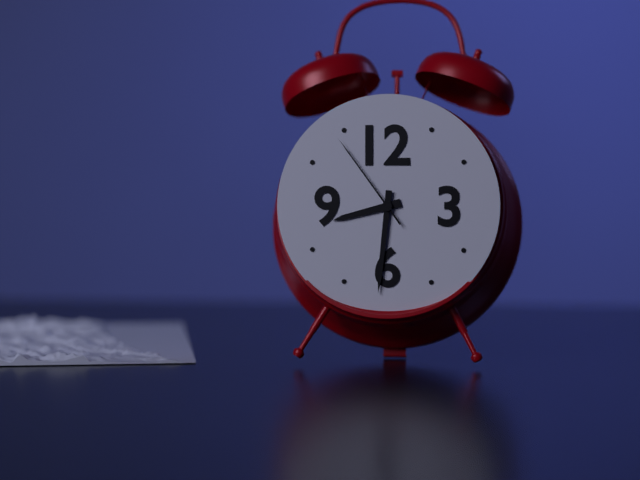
8:31:54
